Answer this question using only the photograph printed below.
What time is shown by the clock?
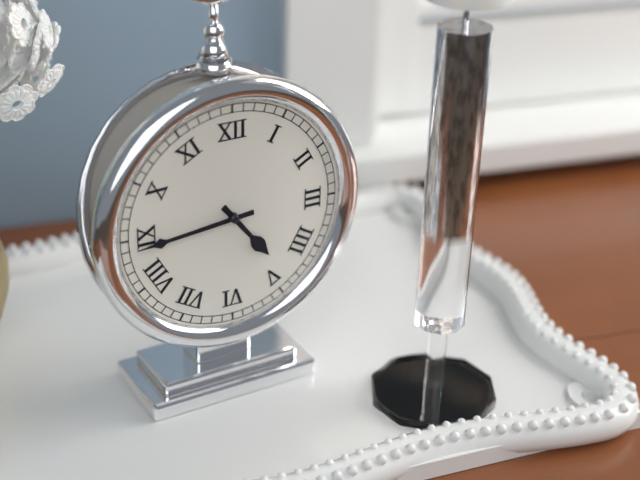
4:44
